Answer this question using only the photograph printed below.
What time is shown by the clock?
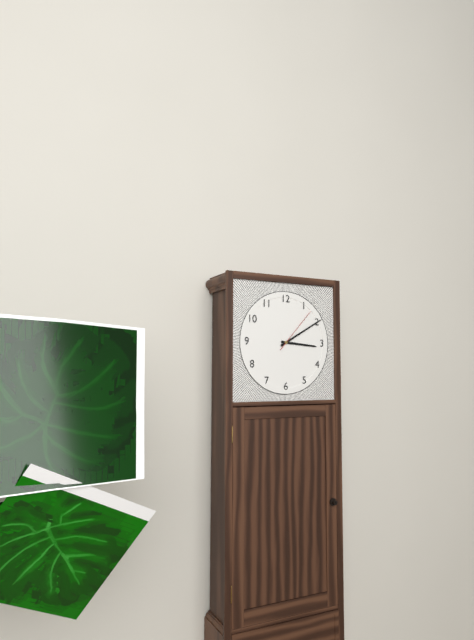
3:10
